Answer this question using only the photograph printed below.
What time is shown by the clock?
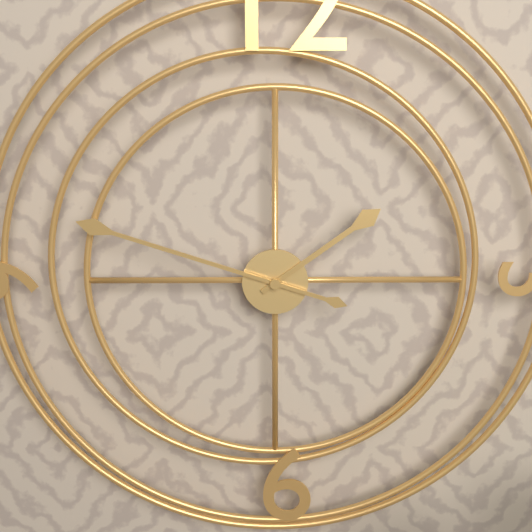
1:48
